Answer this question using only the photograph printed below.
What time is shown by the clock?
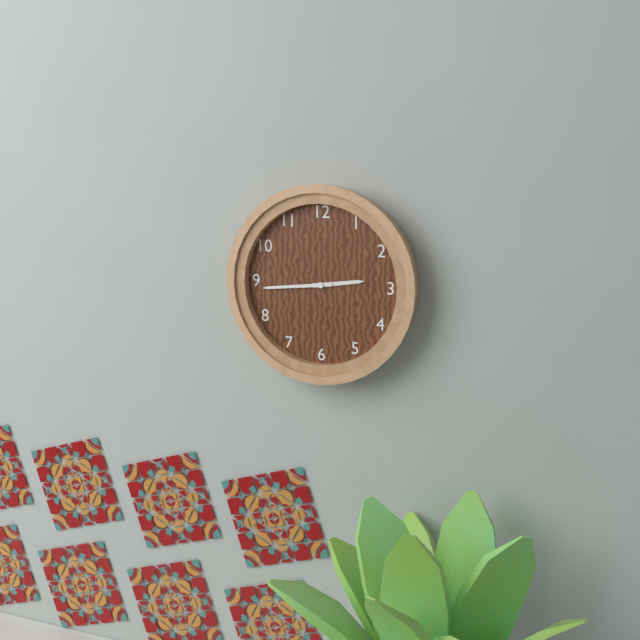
2:44
